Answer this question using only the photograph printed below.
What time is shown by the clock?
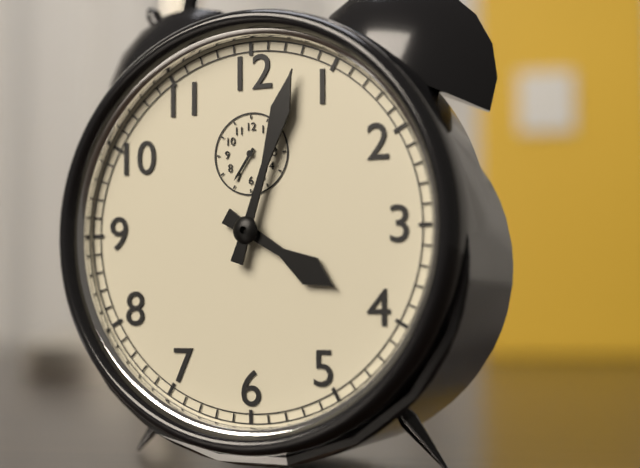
4:03
